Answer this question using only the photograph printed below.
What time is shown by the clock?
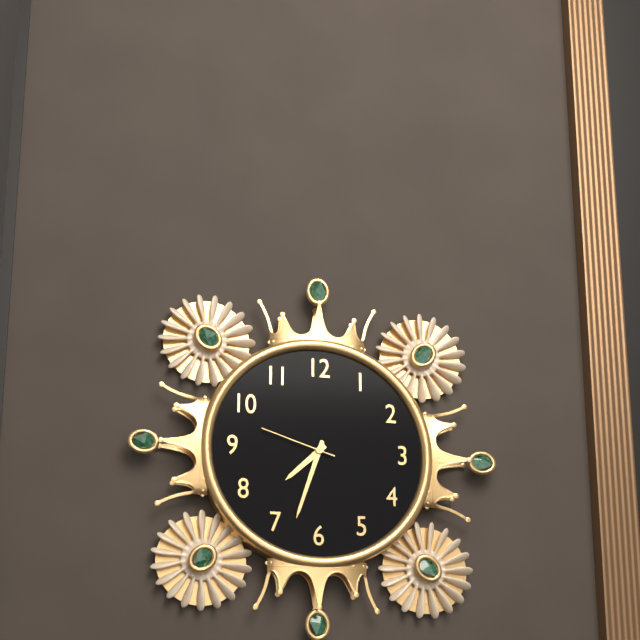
7:33:48
